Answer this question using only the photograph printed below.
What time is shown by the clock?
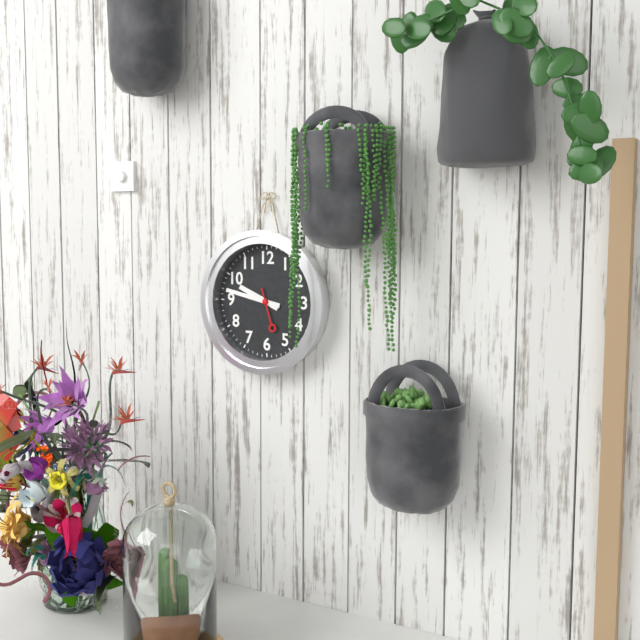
9:47
